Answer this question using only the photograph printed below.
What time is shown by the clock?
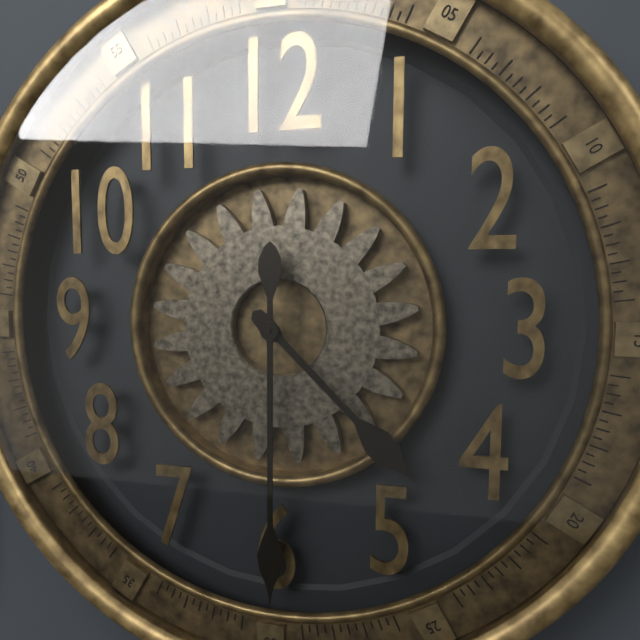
4:30
